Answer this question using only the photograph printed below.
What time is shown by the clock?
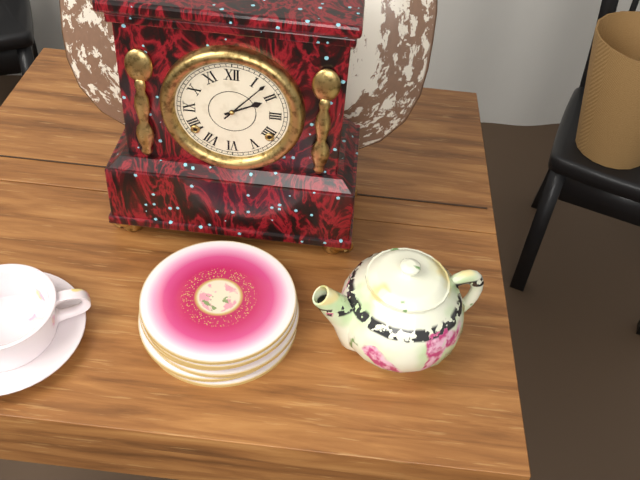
2:07
